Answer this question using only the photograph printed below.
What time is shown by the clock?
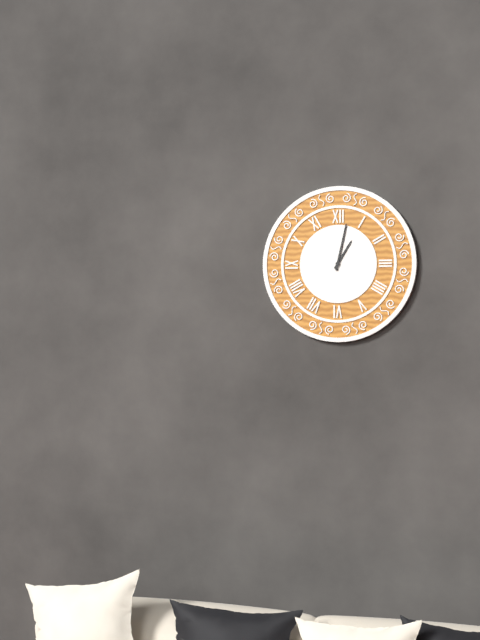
1:02
